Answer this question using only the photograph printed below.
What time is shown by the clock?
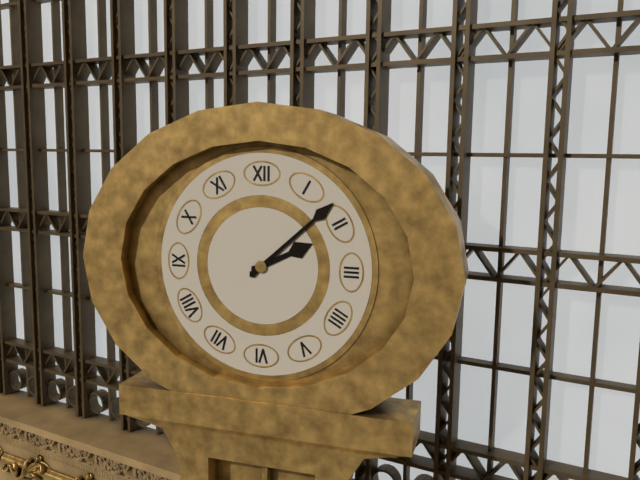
2:08
